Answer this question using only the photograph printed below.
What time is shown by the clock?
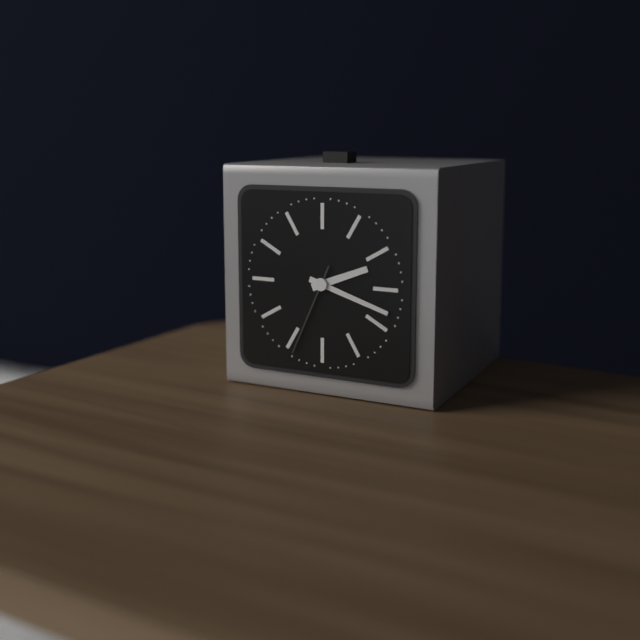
2:18:34
